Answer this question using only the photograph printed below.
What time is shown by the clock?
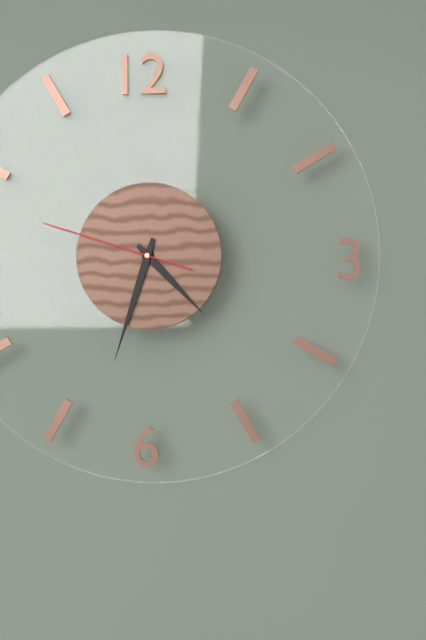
4:33:48
